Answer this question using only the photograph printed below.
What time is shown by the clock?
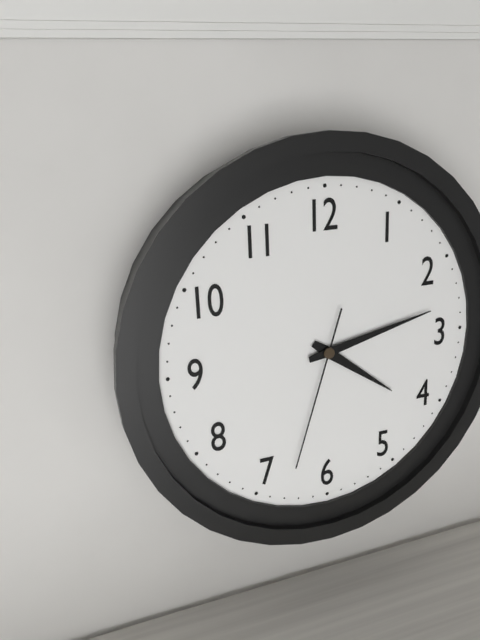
4:13:33
